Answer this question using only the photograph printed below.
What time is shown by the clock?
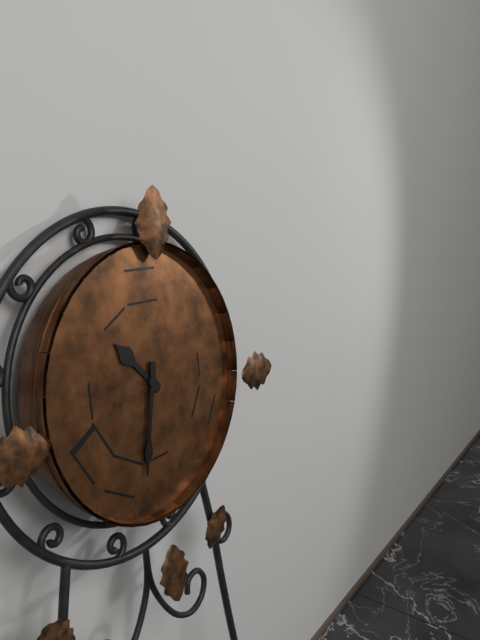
10:32
